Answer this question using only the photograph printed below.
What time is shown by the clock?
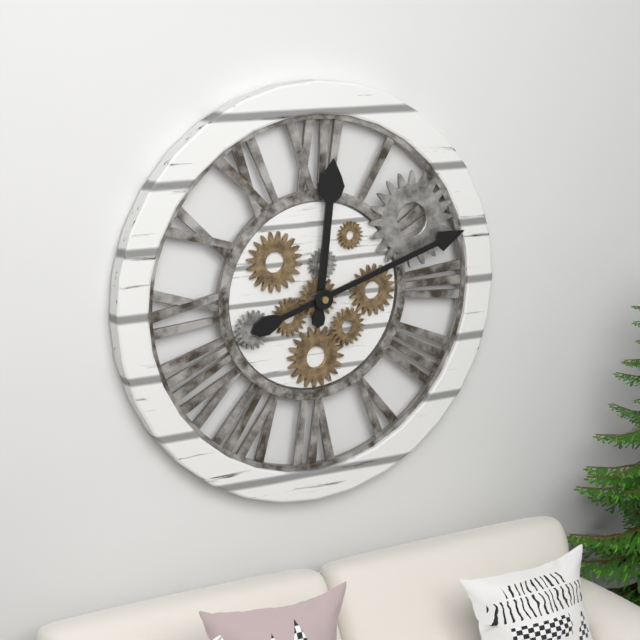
12:12
